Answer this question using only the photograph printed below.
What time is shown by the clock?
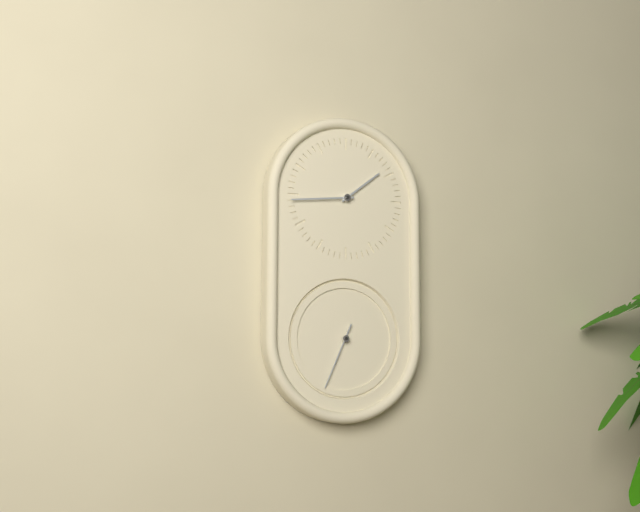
1:44:34
